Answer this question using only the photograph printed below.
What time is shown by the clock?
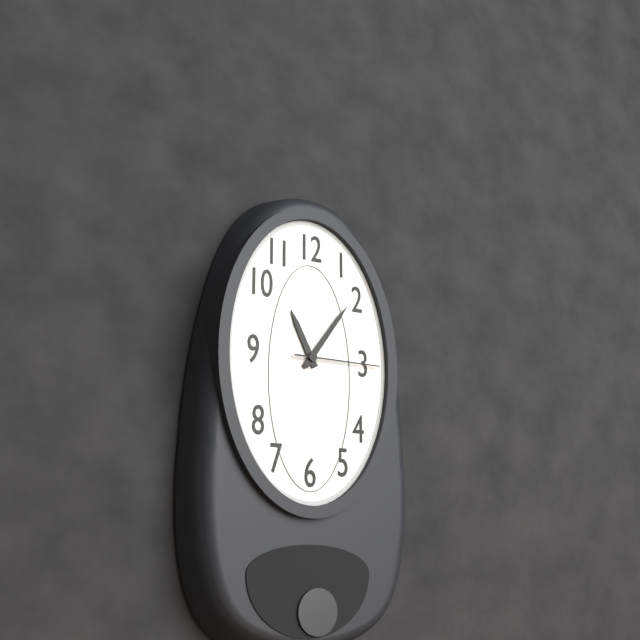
11:06:15
